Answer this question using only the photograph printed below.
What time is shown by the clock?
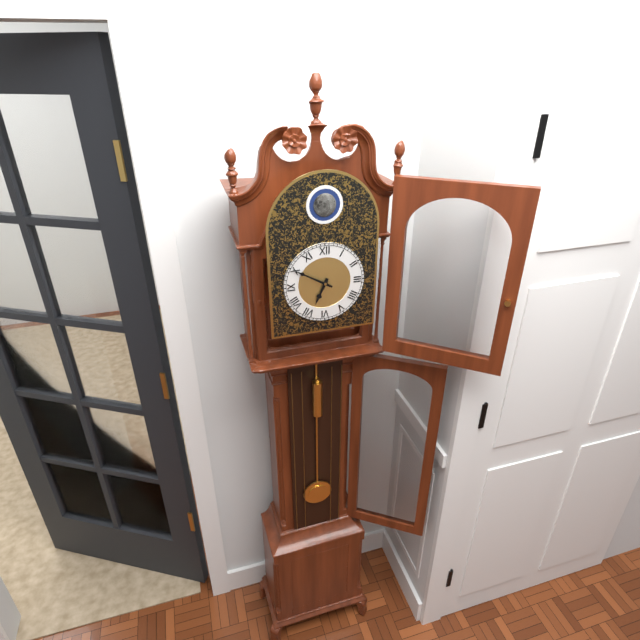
6:50
